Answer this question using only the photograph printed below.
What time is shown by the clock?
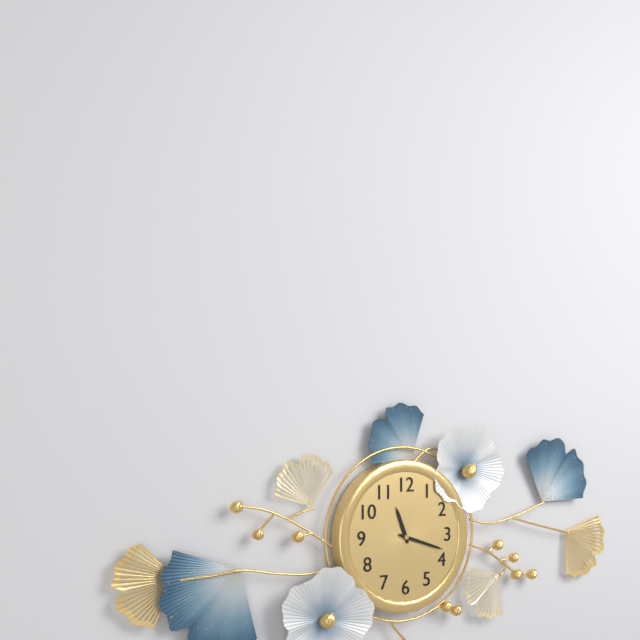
11:18
